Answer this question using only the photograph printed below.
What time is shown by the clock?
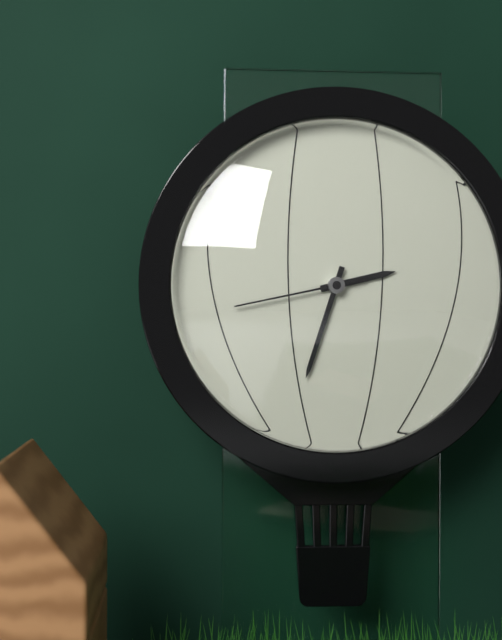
2:33:43
